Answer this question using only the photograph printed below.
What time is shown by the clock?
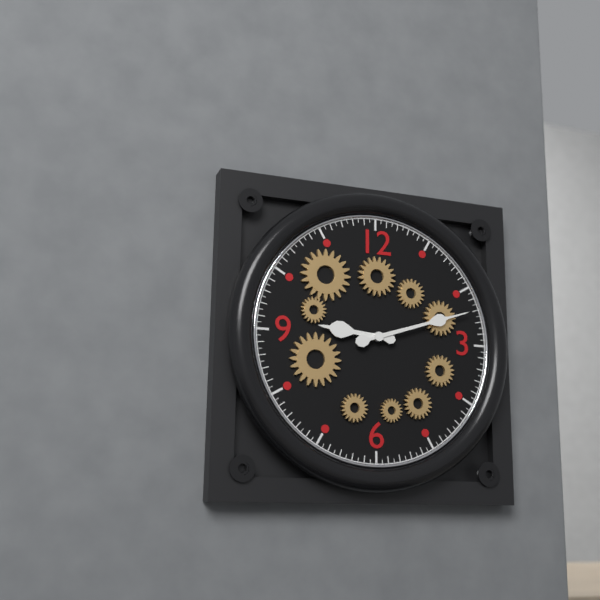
9:12
